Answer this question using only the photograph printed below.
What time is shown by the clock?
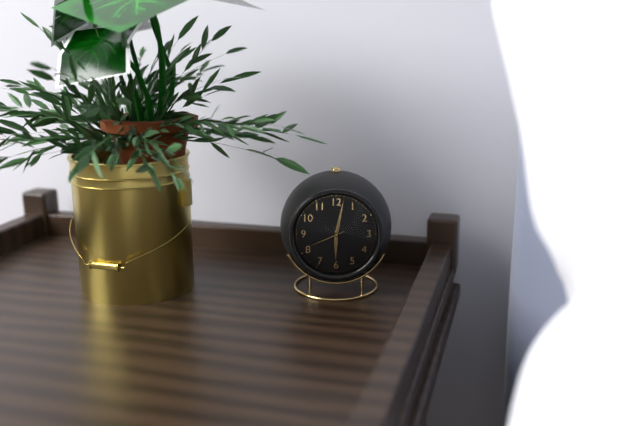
6:02
